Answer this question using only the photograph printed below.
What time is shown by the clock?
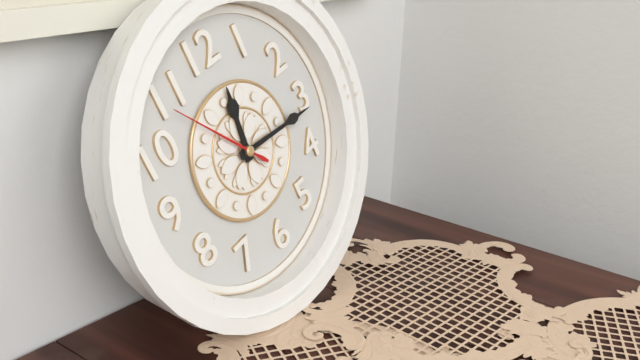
12:16:54
